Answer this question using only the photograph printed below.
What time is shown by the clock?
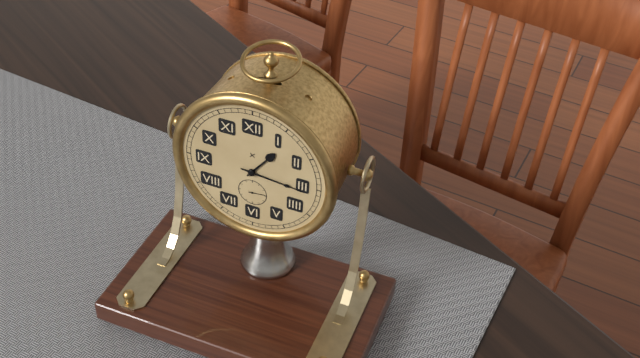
1:16
